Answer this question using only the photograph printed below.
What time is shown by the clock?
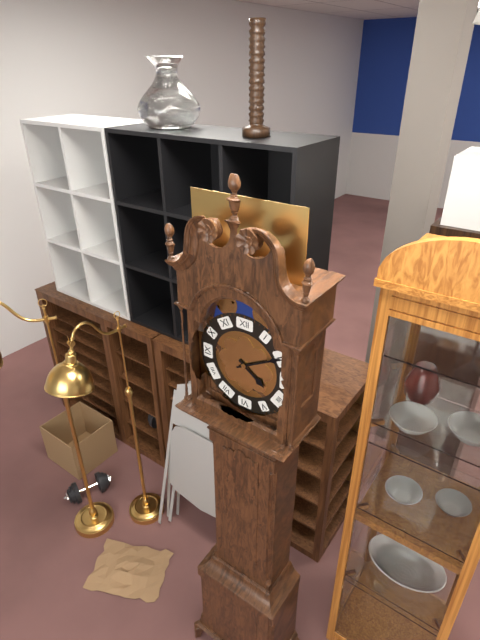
4:10
